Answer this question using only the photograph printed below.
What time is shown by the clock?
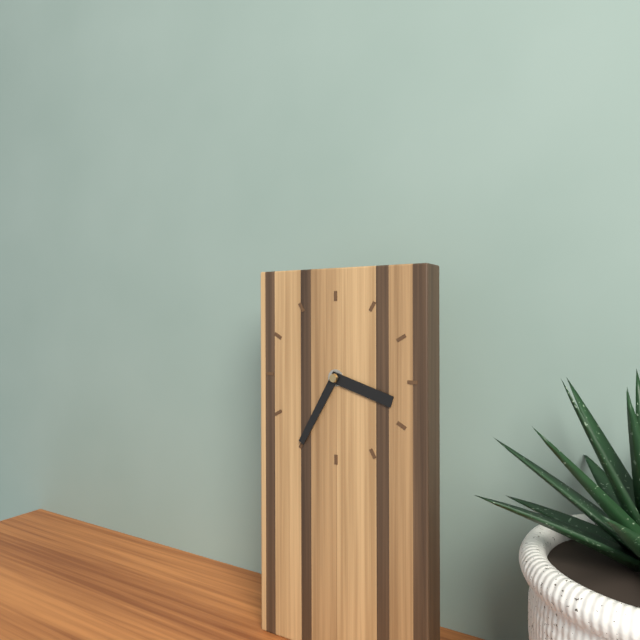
3:35
